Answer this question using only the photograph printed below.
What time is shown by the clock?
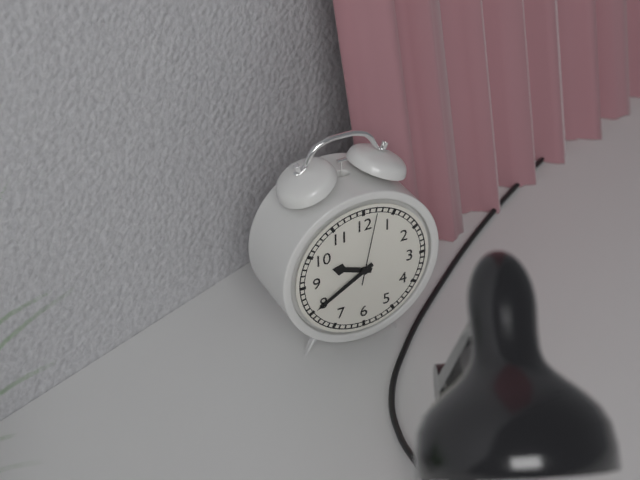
9:40:02
